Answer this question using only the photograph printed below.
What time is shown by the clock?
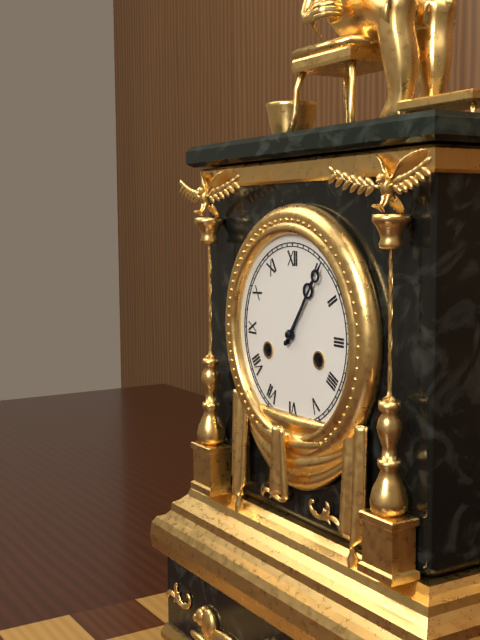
1:06
